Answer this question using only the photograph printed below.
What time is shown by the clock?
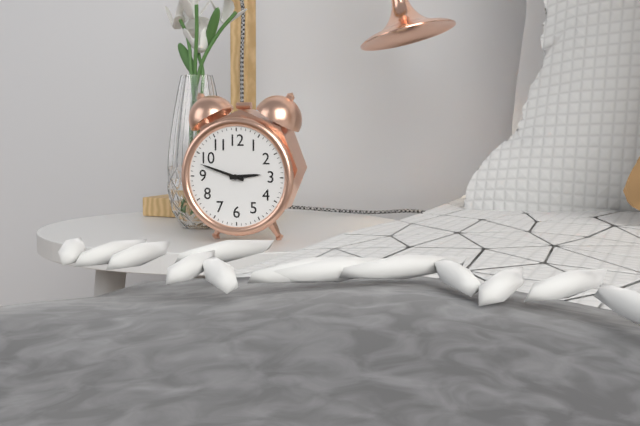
2:48
